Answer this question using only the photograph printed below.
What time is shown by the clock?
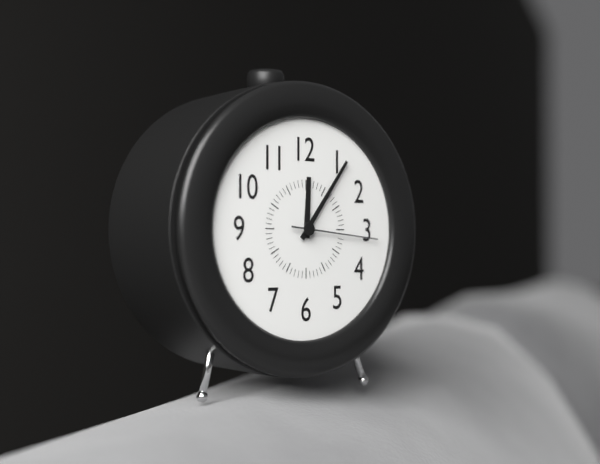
12:06:16
